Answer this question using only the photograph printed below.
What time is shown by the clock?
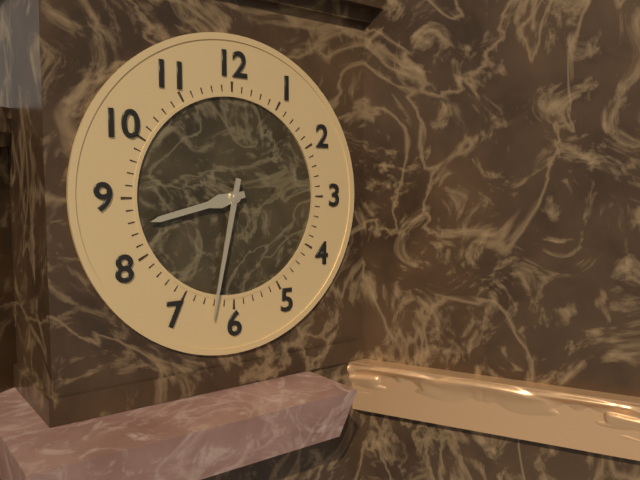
8:32
